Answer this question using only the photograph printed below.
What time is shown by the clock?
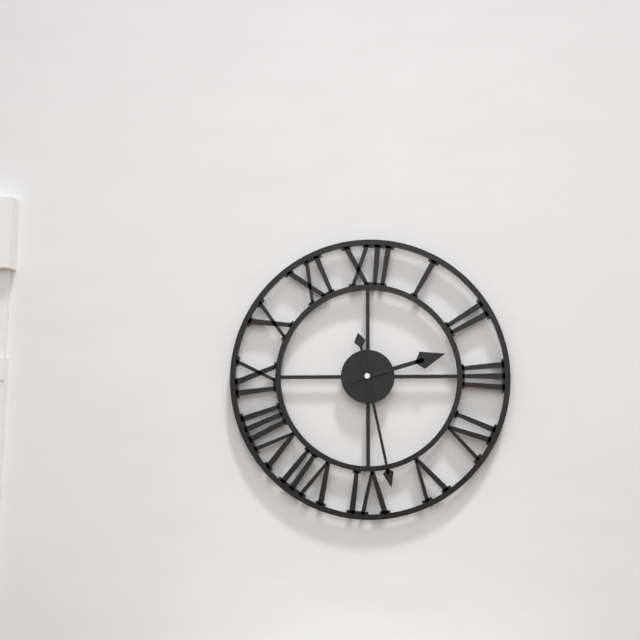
2:28
